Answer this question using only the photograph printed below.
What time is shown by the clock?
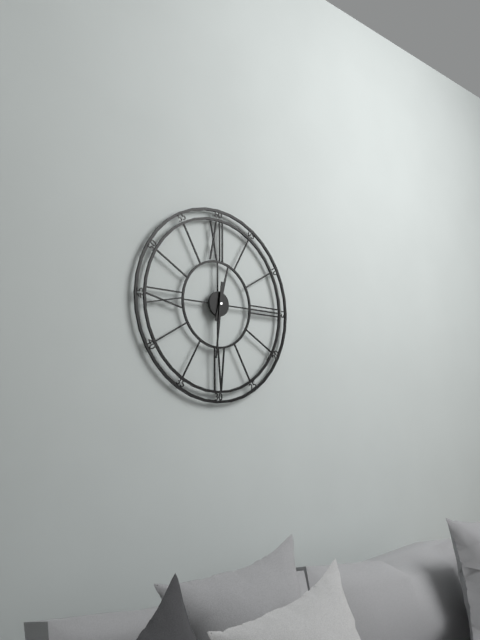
12:31
